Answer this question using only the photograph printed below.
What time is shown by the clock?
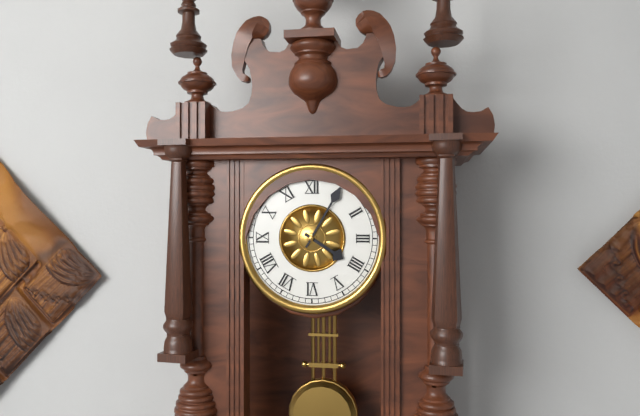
4:05
